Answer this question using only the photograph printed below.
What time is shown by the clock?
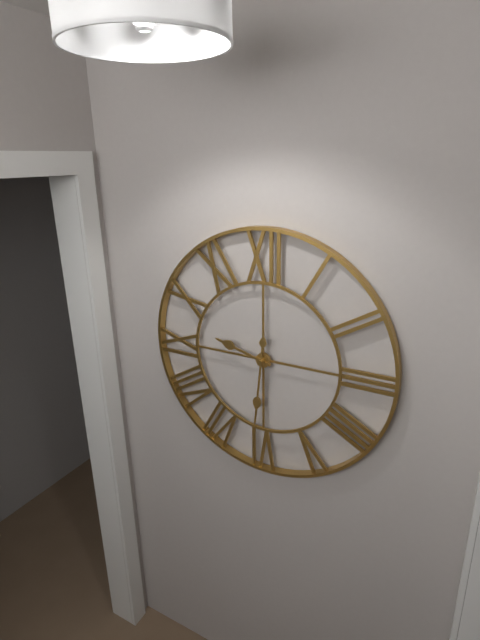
9:31
